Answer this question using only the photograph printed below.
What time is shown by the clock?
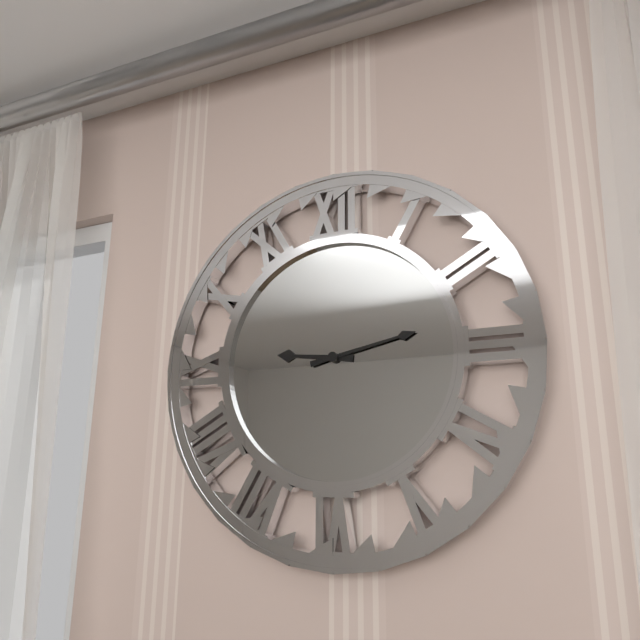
9:13
